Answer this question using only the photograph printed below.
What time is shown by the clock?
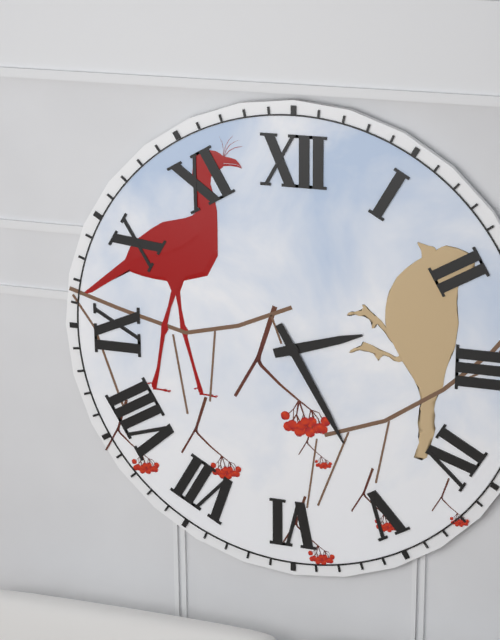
2:25
